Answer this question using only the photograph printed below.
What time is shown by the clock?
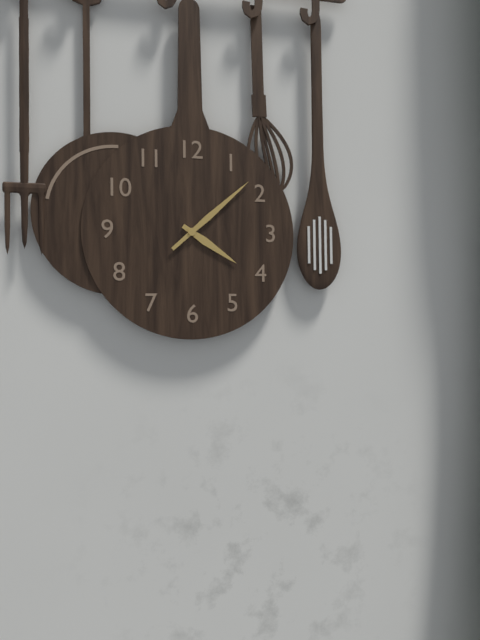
4:08
